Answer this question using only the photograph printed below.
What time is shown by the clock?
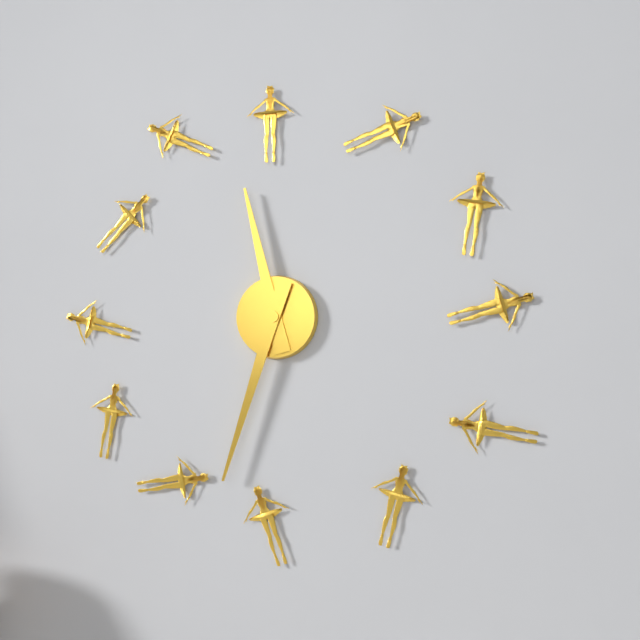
11:33
